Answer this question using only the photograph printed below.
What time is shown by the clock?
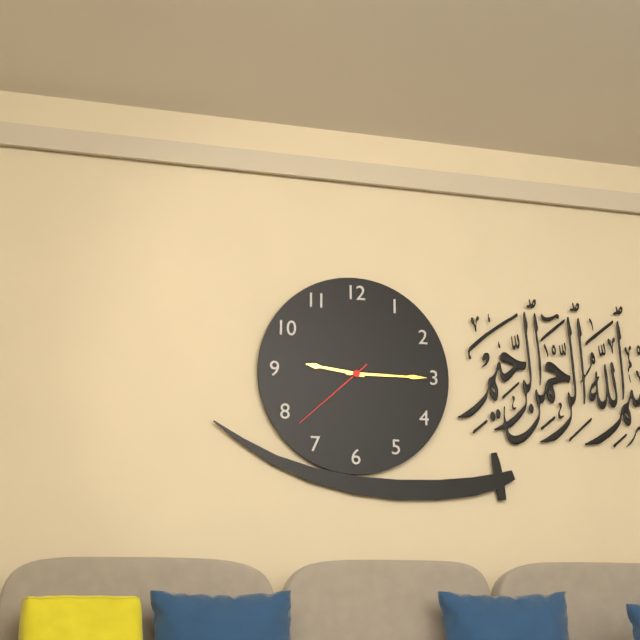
9:15:38
